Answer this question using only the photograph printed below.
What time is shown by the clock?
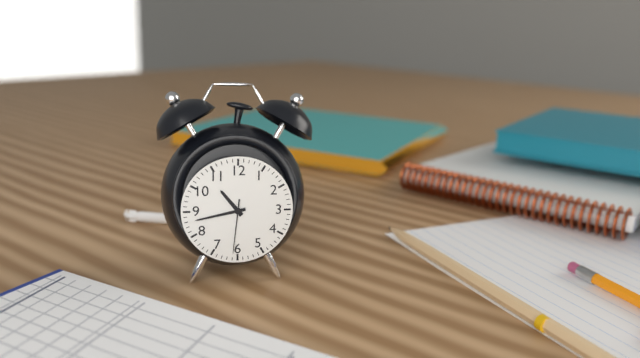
10:43:31
